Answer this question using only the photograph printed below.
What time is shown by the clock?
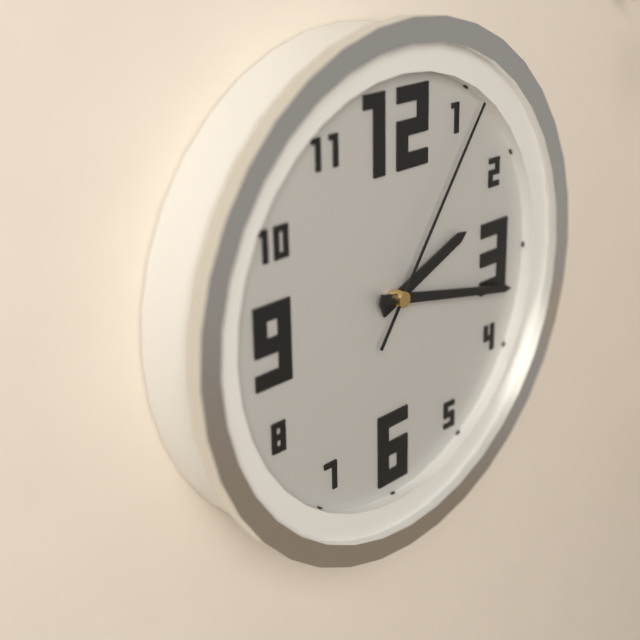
2:17:06
